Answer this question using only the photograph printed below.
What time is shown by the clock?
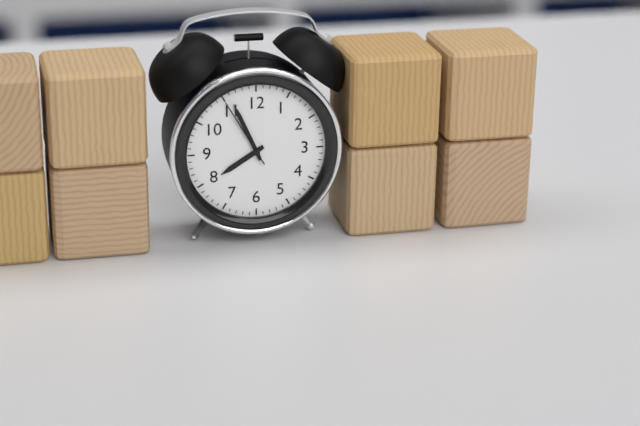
7:56:55
